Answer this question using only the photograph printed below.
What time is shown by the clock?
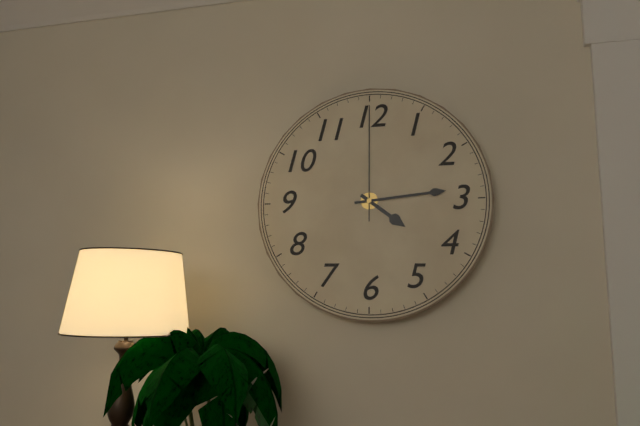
4:14:00
